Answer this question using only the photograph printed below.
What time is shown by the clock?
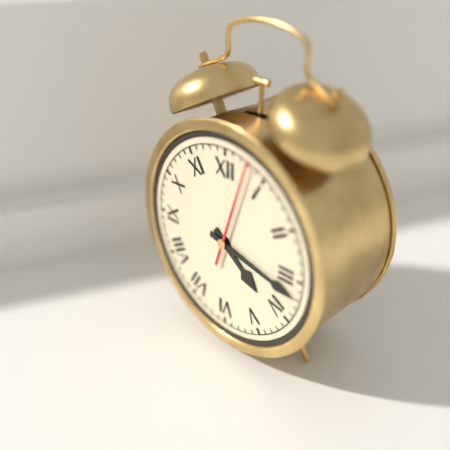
4:17:03
